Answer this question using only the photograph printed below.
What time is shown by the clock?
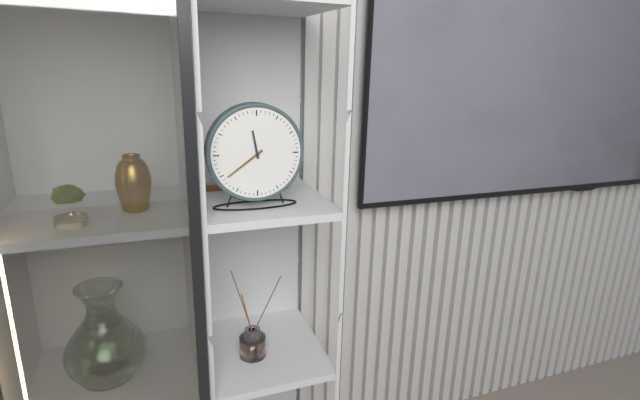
11:39
